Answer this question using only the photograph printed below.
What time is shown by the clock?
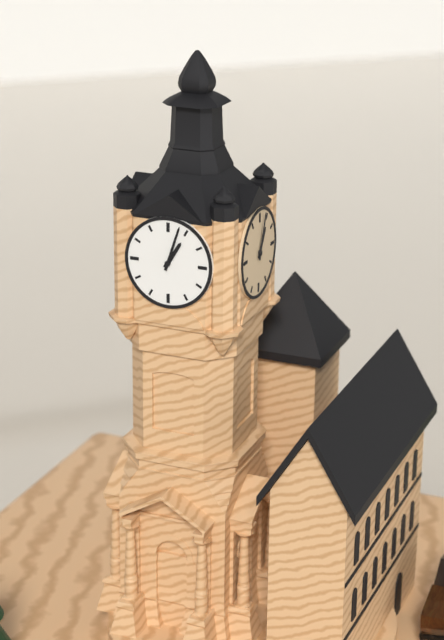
1:03
